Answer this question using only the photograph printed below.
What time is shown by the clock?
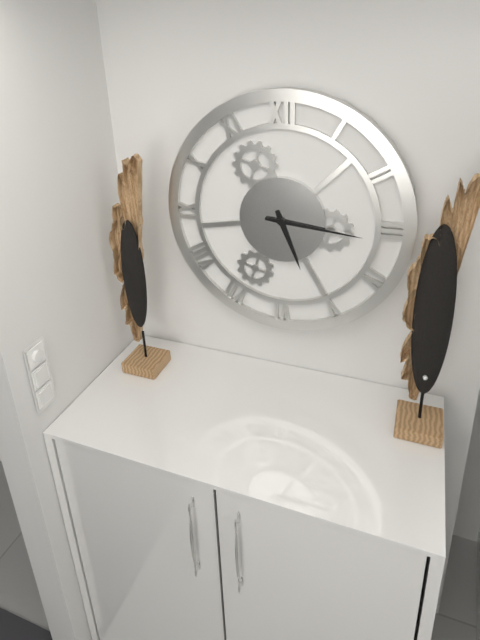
5:16
